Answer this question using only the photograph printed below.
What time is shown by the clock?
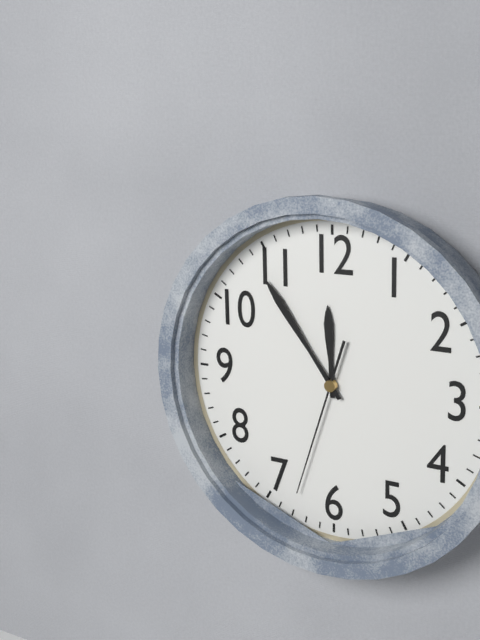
11:54:33
